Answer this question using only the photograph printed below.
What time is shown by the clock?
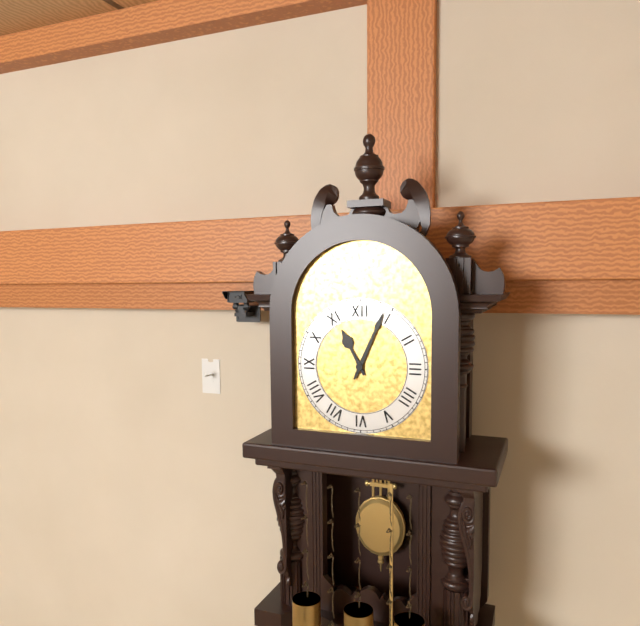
11:04
